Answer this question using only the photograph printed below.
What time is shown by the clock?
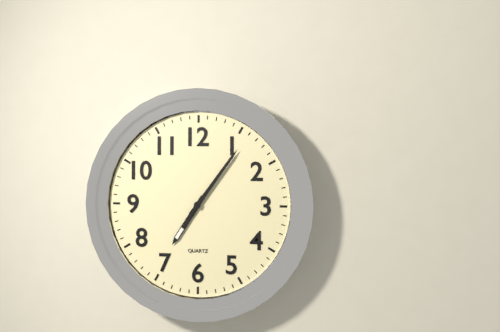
7:06
